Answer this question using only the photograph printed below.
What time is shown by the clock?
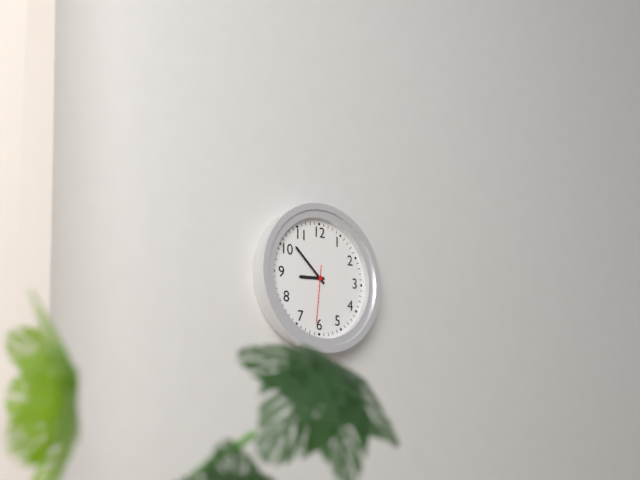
8:52:31
